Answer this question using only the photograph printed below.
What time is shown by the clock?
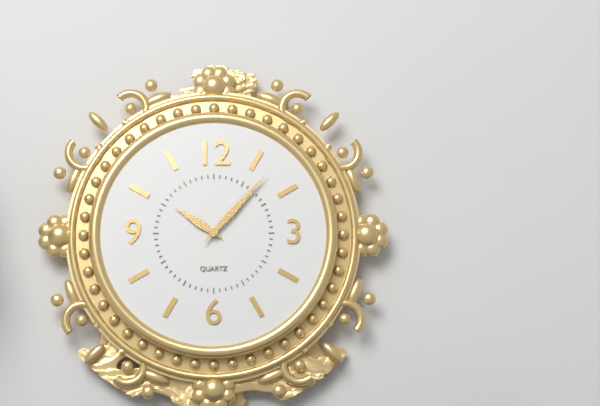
10:07
